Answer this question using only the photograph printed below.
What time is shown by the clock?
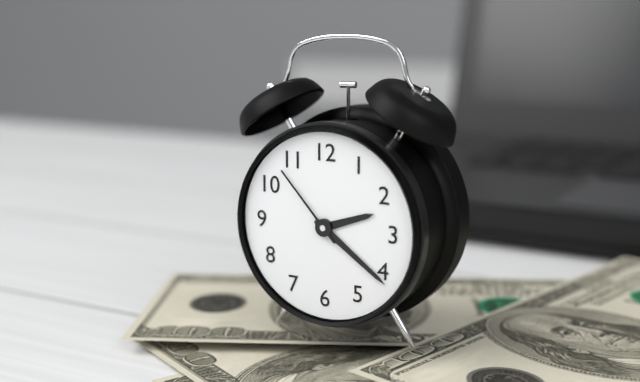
2:21:53
